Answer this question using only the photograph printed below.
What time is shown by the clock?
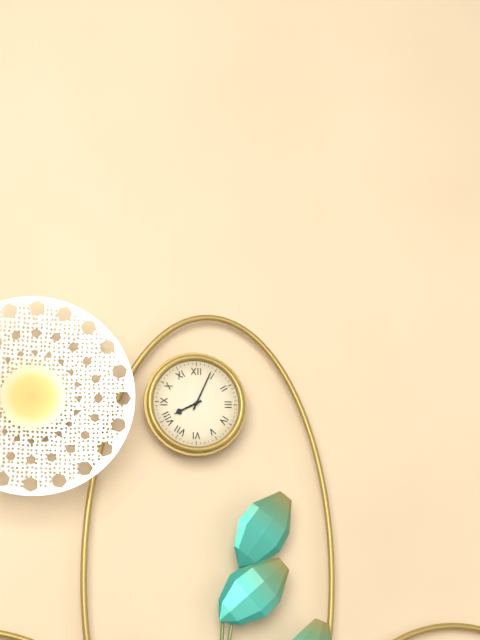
8:04
